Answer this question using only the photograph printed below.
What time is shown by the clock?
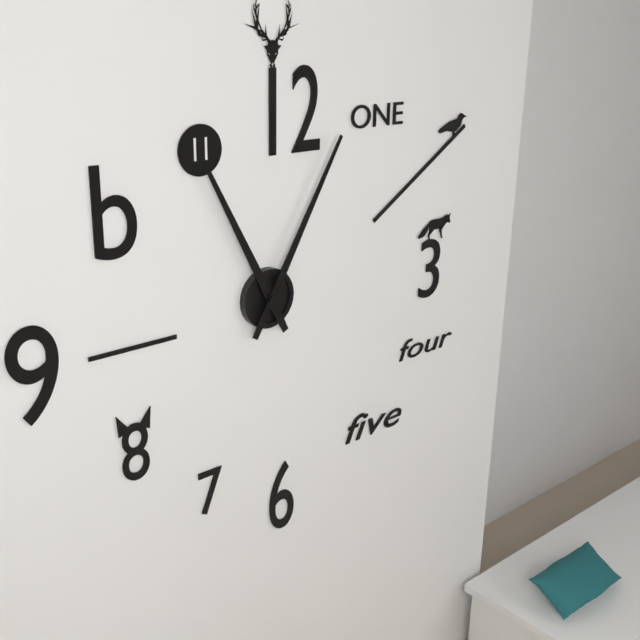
11:05
